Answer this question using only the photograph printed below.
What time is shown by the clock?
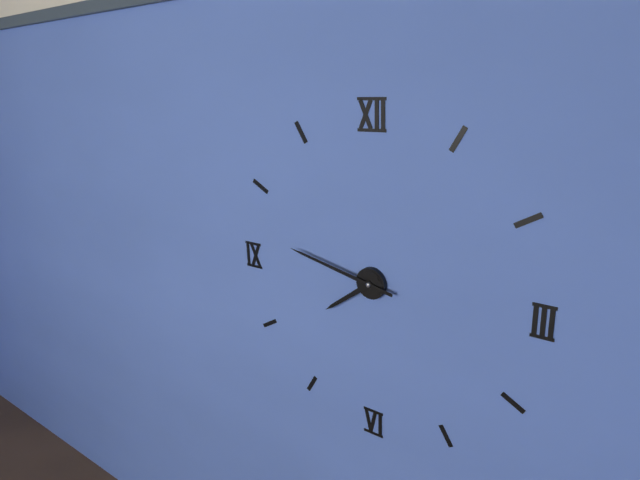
7:47
